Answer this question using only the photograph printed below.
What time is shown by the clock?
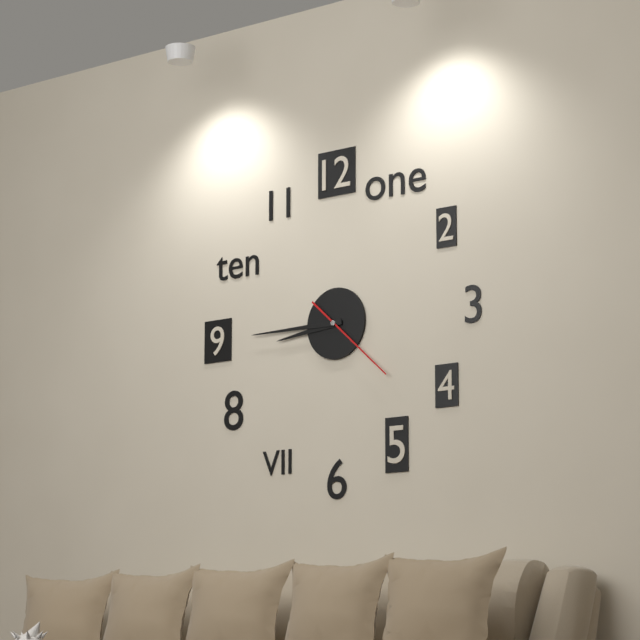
8:45:22
